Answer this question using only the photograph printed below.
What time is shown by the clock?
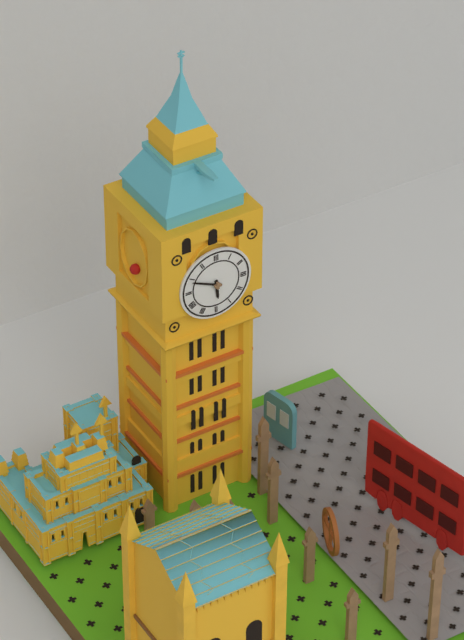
5:49
